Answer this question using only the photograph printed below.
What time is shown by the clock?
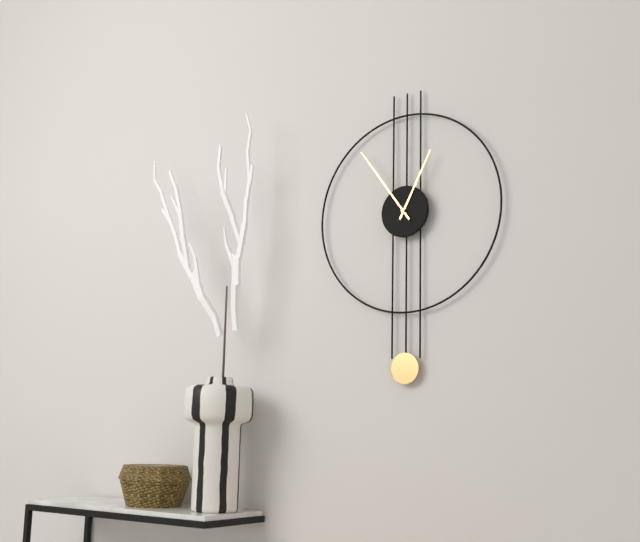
12:54
